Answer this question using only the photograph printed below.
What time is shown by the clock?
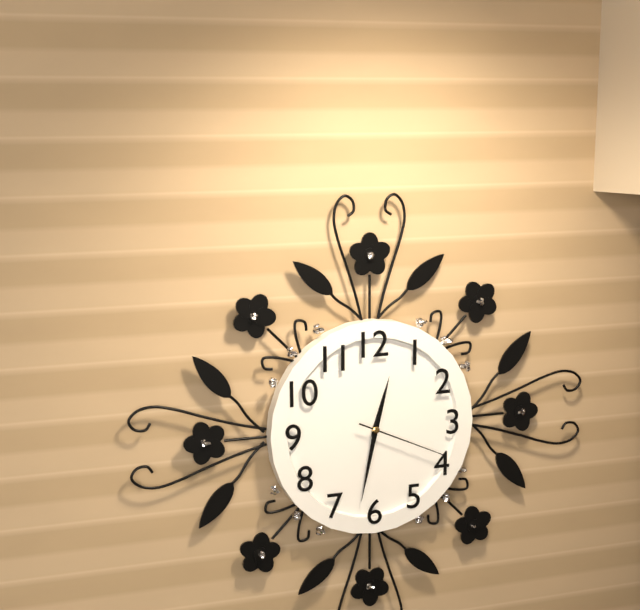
12:32:19
